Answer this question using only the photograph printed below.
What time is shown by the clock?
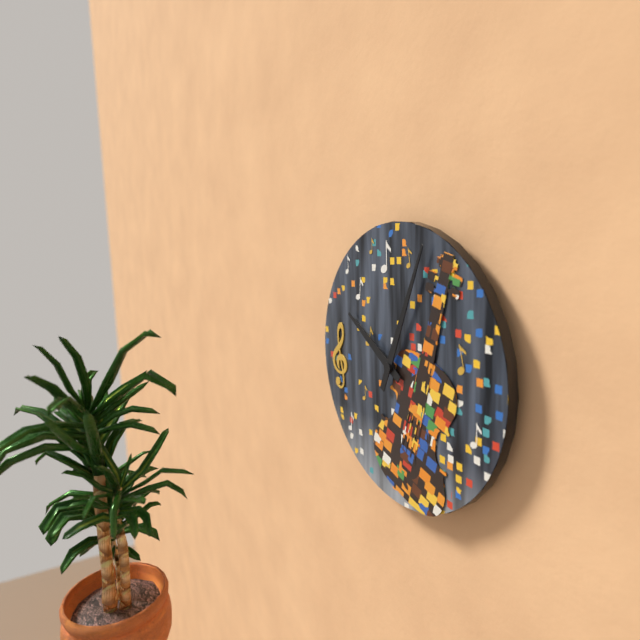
10:04
